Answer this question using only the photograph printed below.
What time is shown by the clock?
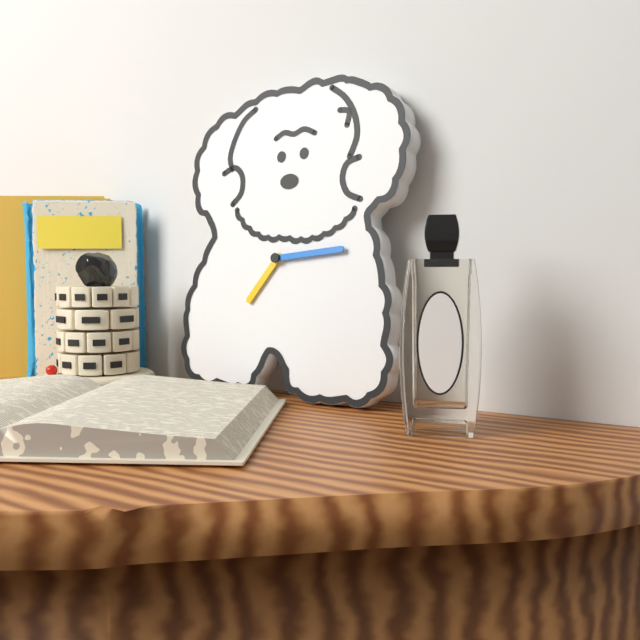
7:14
